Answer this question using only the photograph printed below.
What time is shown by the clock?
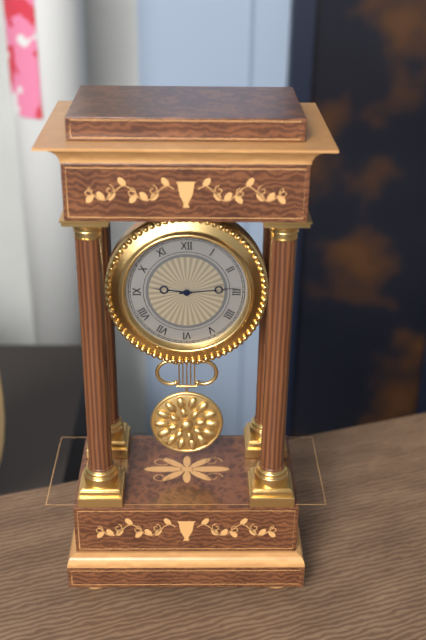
9:14
